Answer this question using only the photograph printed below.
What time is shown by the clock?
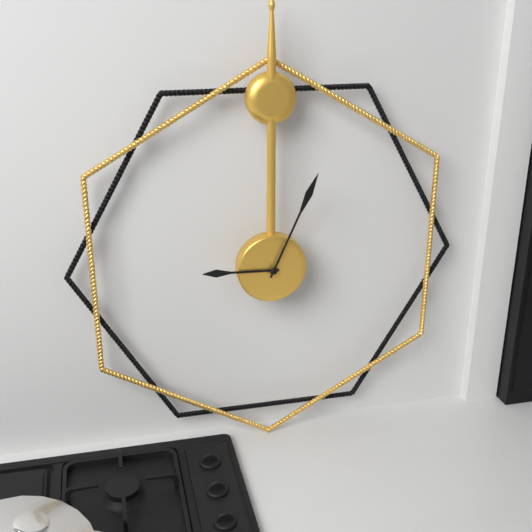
9:04
